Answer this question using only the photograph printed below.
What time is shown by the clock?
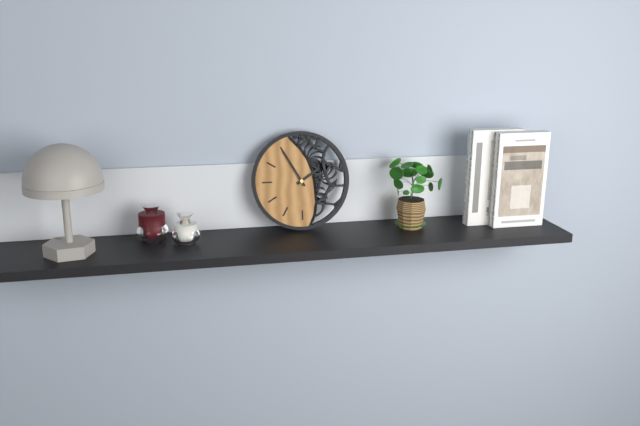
1:55
